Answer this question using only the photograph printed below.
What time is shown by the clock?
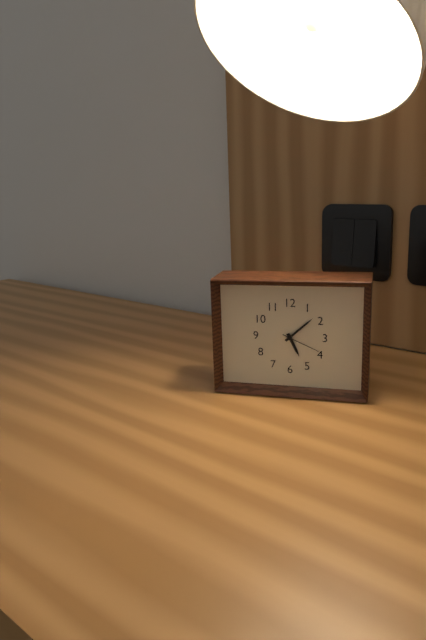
5:08
